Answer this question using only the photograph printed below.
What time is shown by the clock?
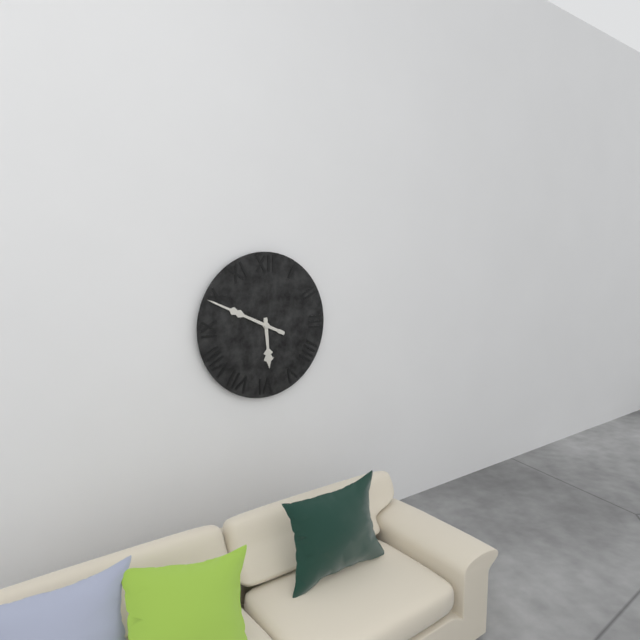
5:49
